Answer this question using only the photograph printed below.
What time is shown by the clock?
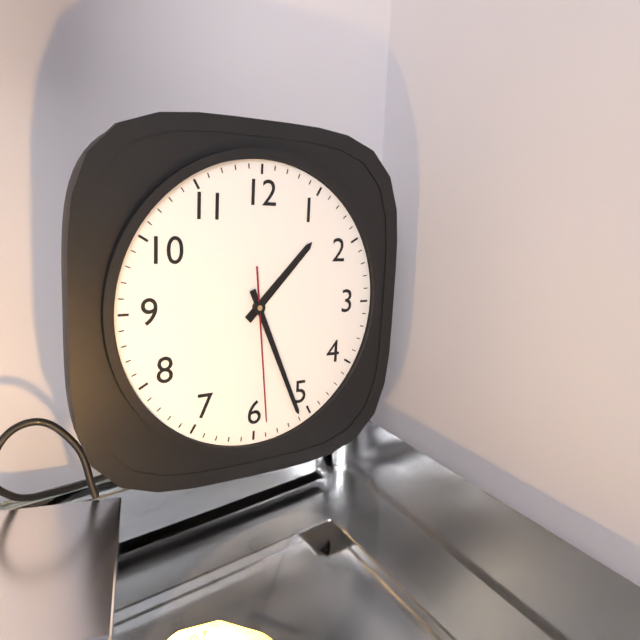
1:26:29
